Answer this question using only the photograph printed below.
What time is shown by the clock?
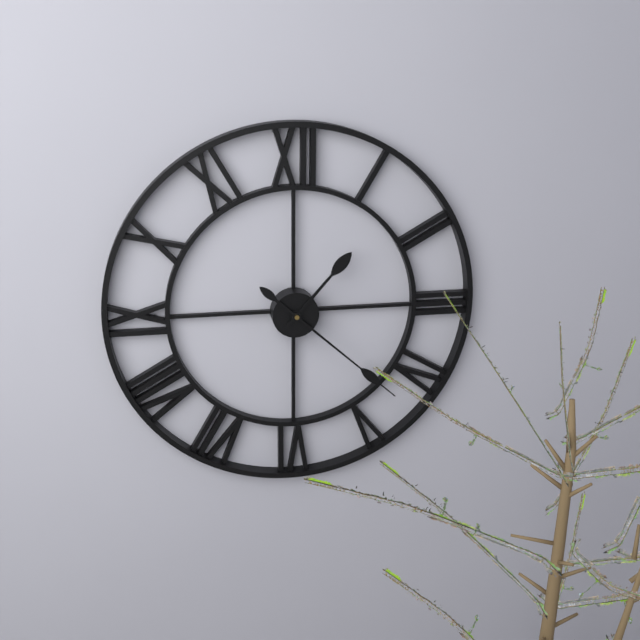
1:22
